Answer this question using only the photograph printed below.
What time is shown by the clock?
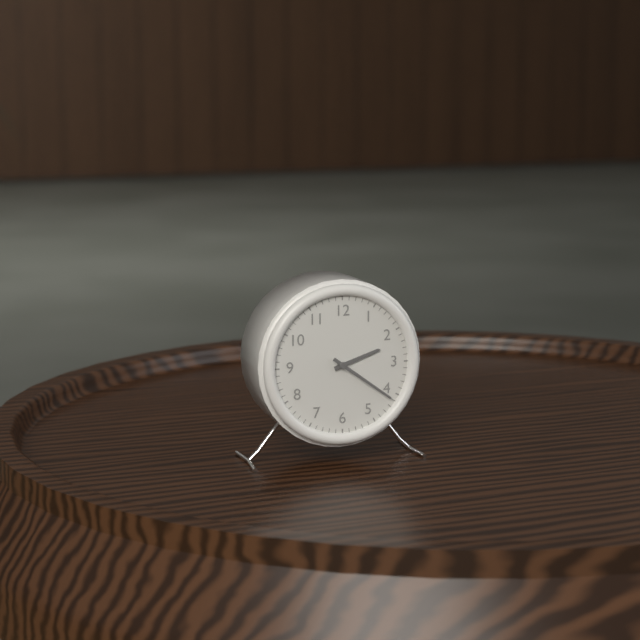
2:21
